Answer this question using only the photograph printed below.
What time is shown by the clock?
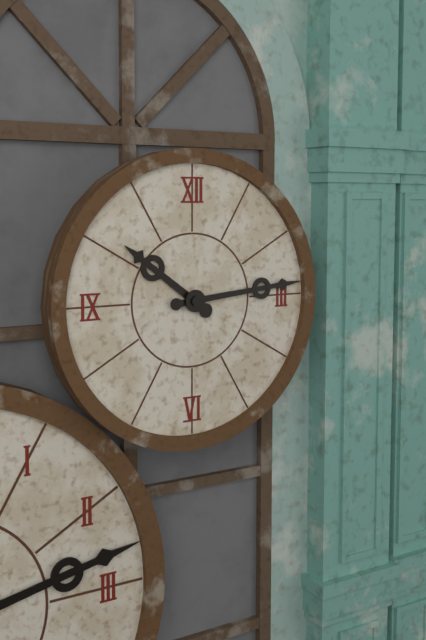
10:14
